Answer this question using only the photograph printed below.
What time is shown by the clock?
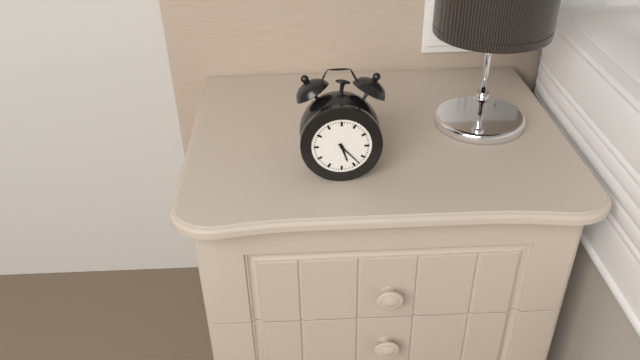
5:23
